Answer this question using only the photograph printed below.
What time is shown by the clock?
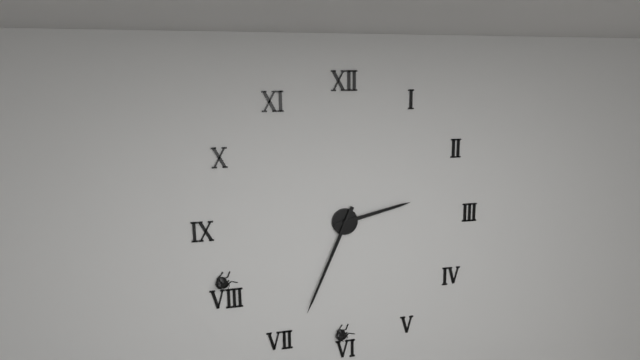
2:34
